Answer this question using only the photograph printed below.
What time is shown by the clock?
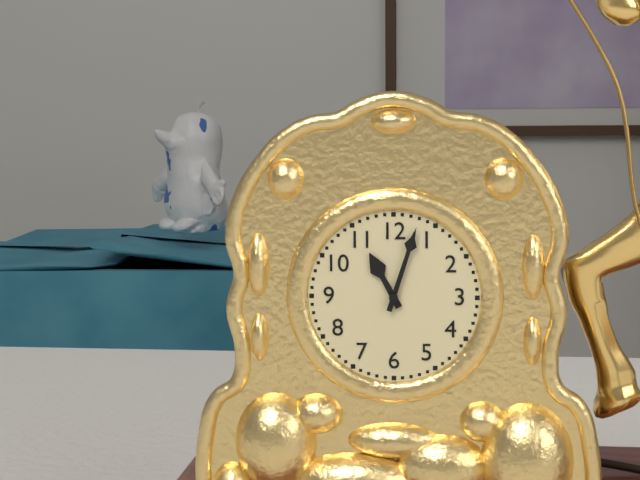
11:03
